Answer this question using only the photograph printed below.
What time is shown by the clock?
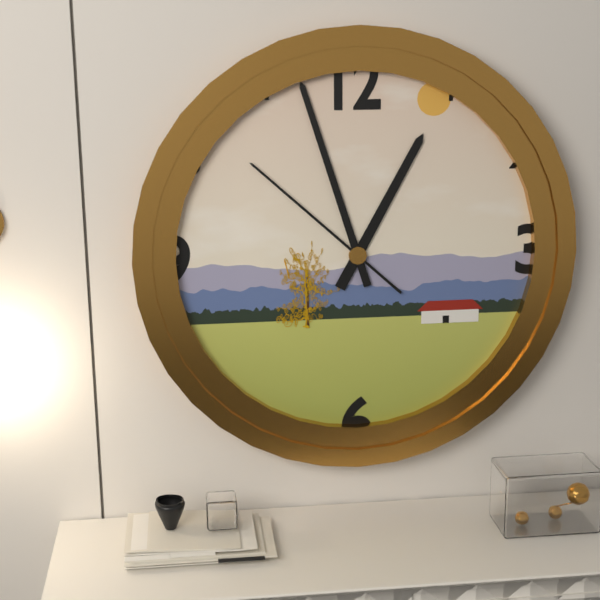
12:57:52
